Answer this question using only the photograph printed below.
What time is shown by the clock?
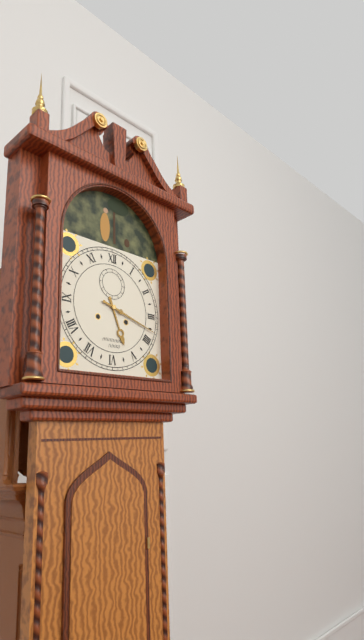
5:18
